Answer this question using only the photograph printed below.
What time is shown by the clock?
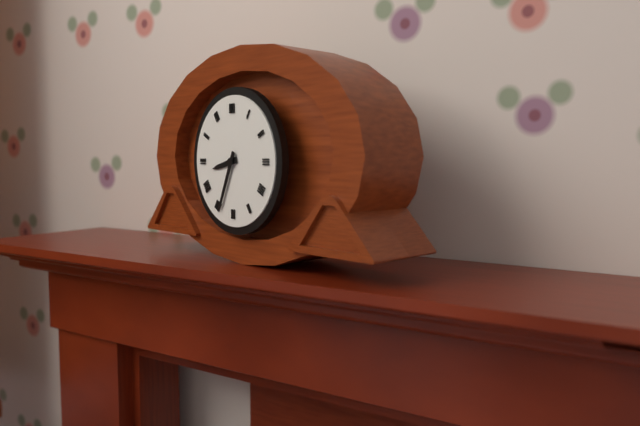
8:34
